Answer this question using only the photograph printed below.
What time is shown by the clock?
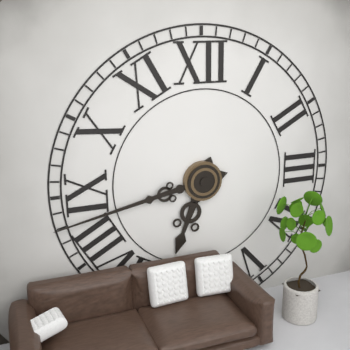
6:43
